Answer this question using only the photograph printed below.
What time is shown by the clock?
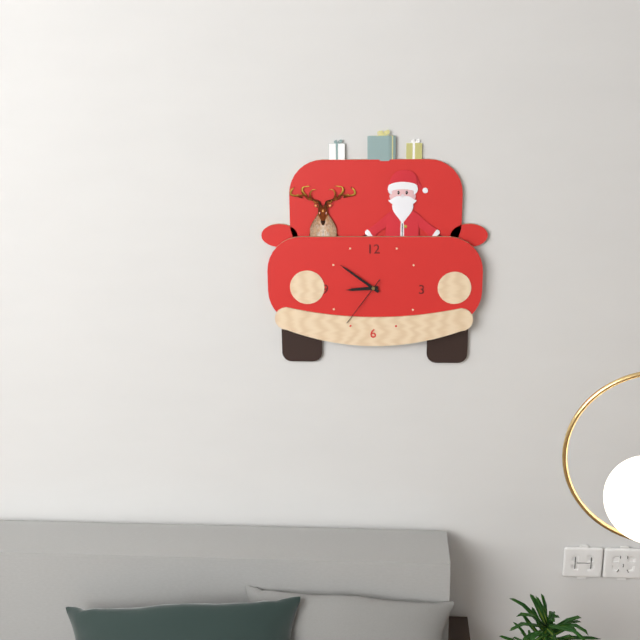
8:51:36
